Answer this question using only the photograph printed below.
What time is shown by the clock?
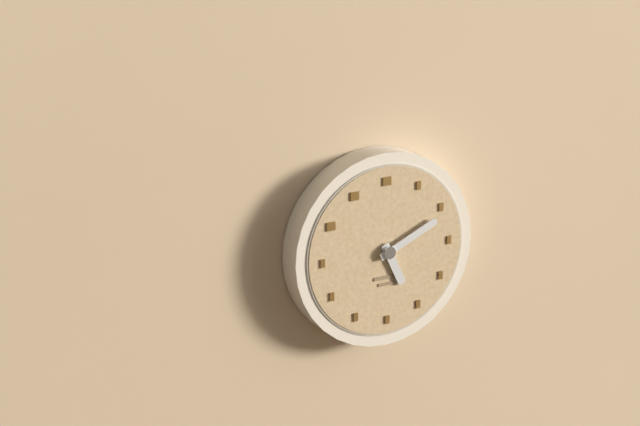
5:11
